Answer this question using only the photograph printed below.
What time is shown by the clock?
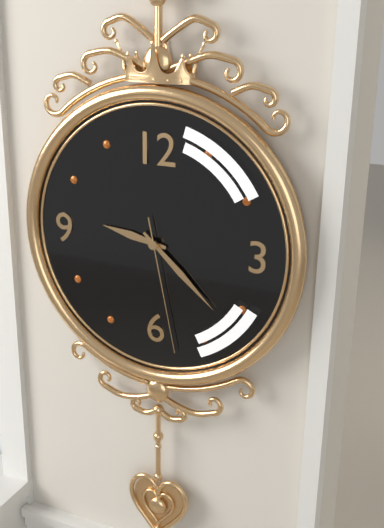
9:22:28
